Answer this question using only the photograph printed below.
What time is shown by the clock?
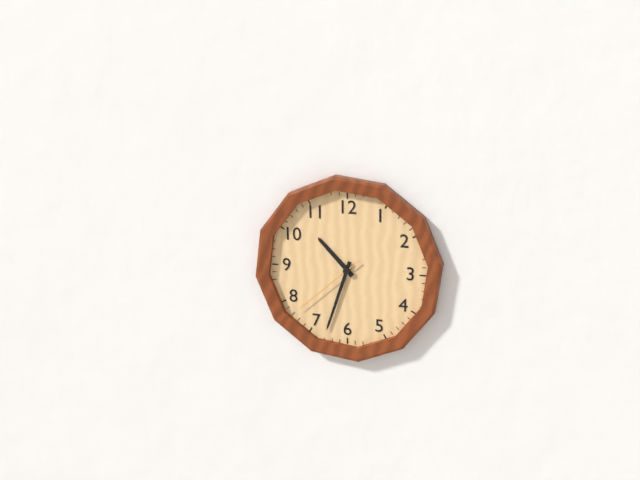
10:33:38
